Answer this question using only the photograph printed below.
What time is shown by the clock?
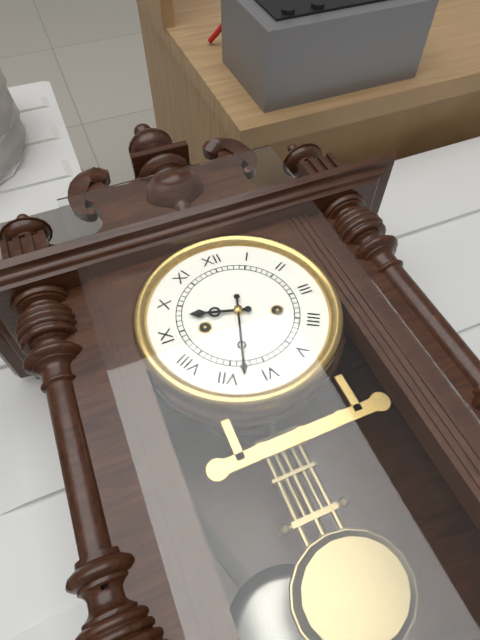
9:33
